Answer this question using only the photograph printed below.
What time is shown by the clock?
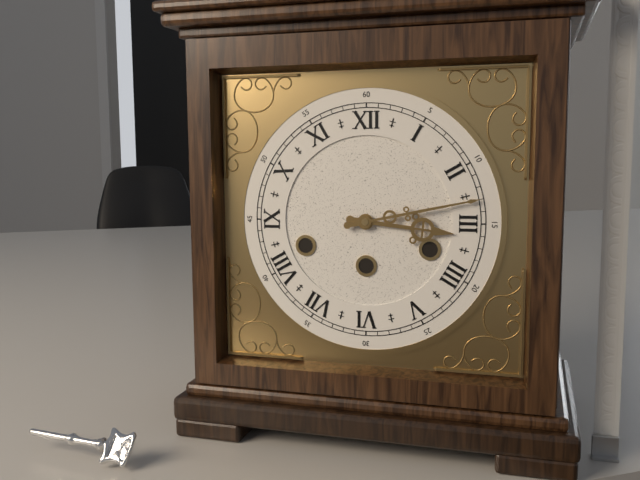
3:13
